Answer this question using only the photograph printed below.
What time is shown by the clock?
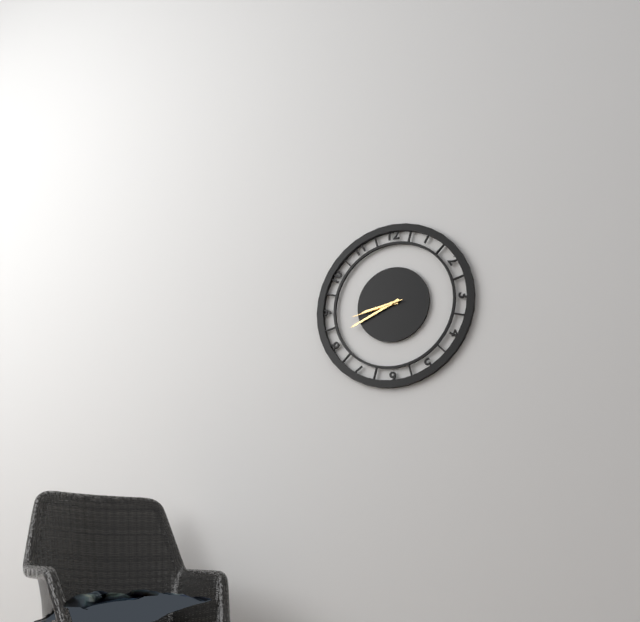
8:41:43
